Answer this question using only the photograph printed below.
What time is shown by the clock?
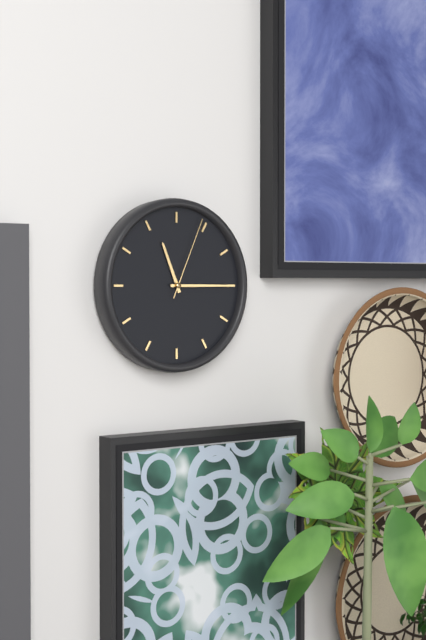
11:15:04
